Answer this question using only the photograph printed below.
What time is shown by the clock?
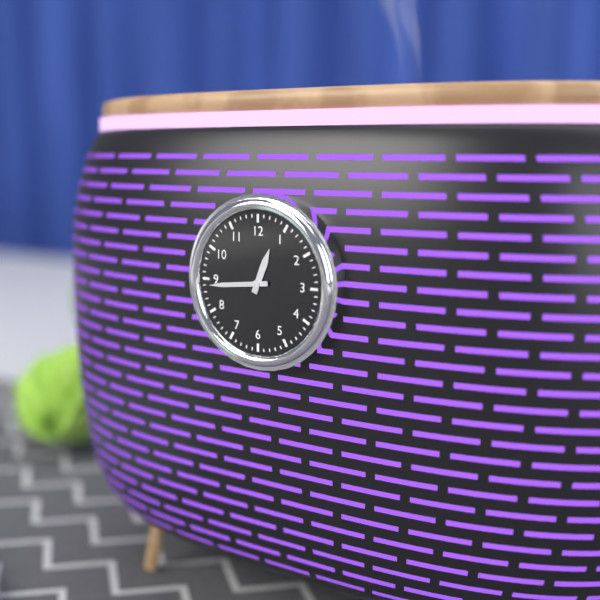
12:44
